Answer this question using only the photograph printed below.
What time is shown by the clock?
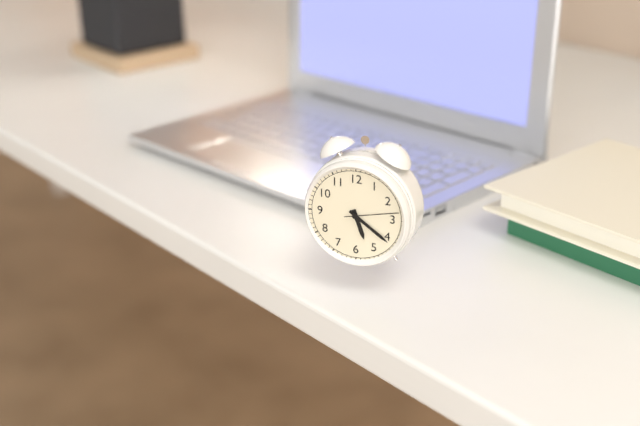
5:21:13
